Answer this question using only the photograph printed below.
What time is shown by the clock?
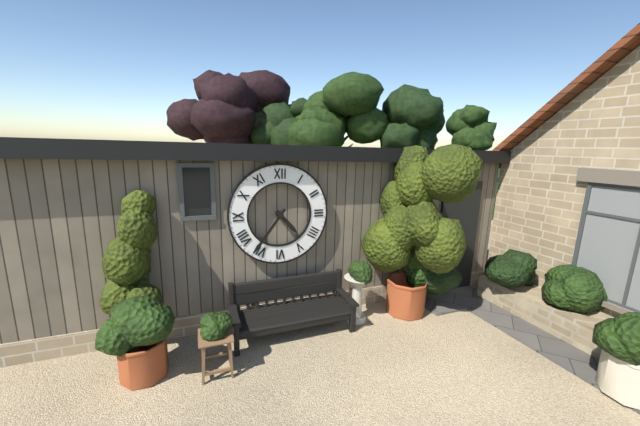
4:36
